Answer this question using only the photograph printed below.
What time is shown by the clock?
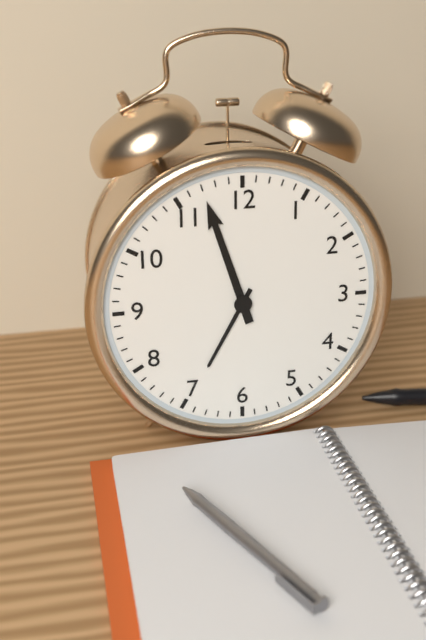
6:57
